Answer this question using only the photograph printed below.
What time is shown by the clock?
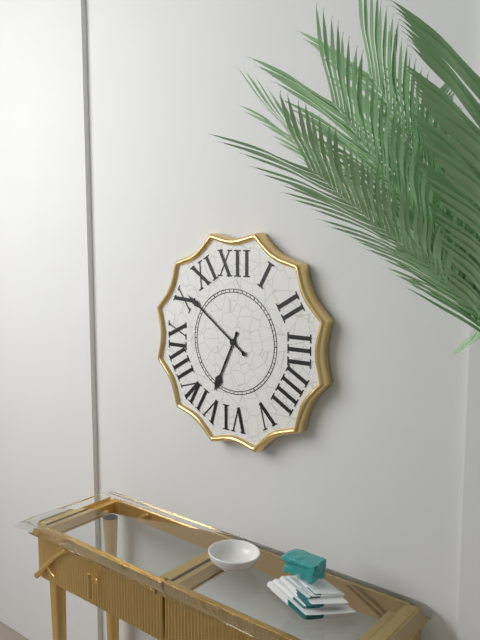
6:51
